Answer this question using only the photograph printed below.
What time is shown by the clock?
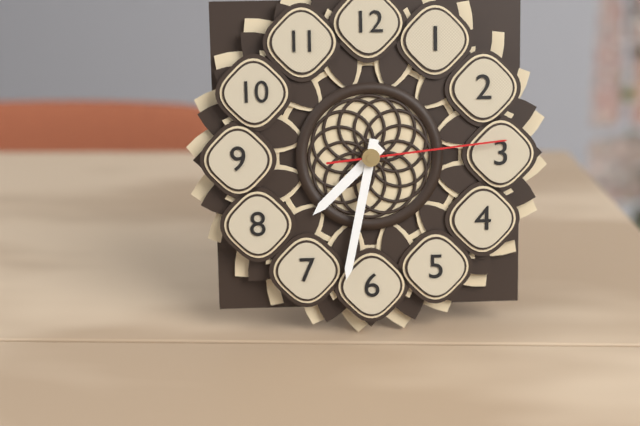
7:32:14
